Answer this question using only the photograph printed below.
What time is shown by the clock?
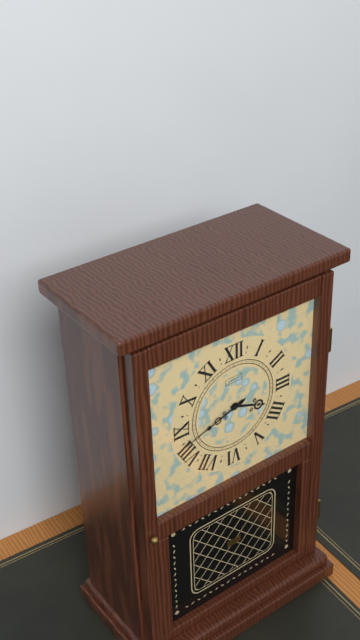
3:42
